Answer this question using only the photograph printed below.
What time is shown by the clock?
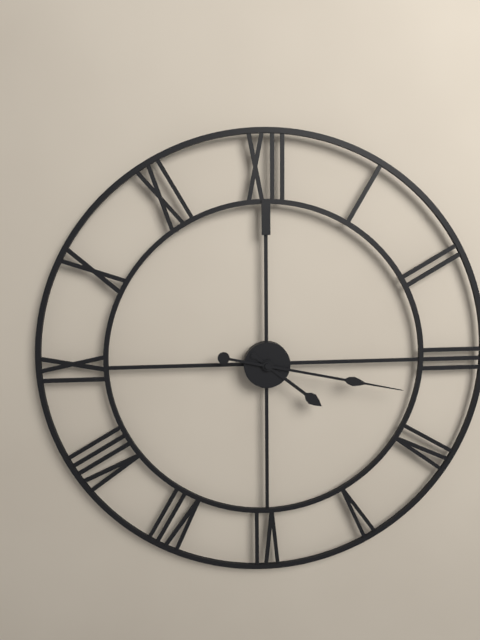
4:17
